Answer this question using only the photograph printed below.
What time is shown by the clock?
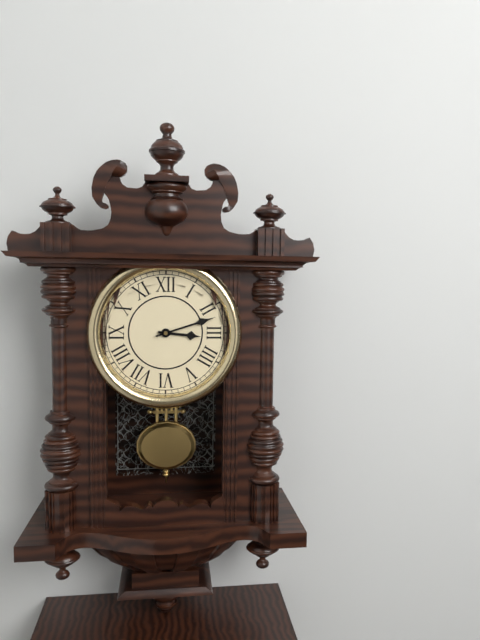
3:12
